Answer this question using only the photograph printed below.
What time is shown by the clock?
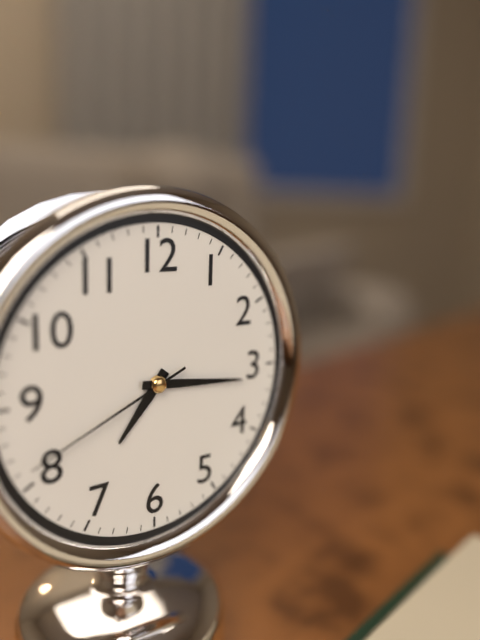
7:16:41
